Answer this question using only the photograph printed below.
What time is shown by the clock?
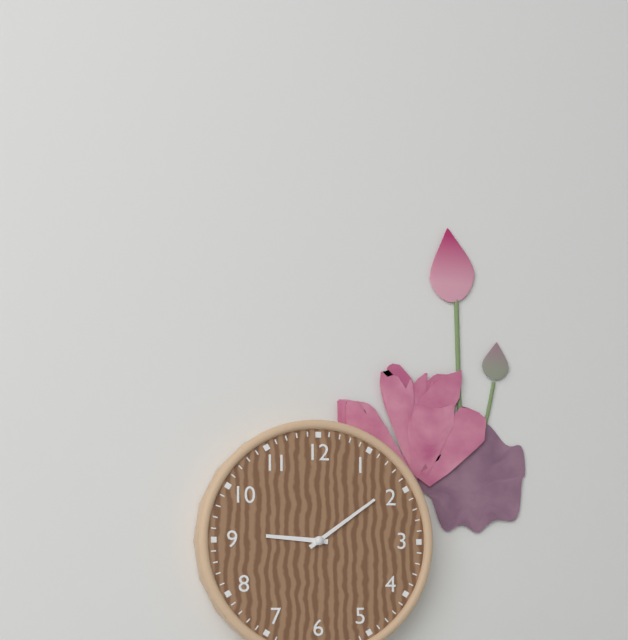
9:09
